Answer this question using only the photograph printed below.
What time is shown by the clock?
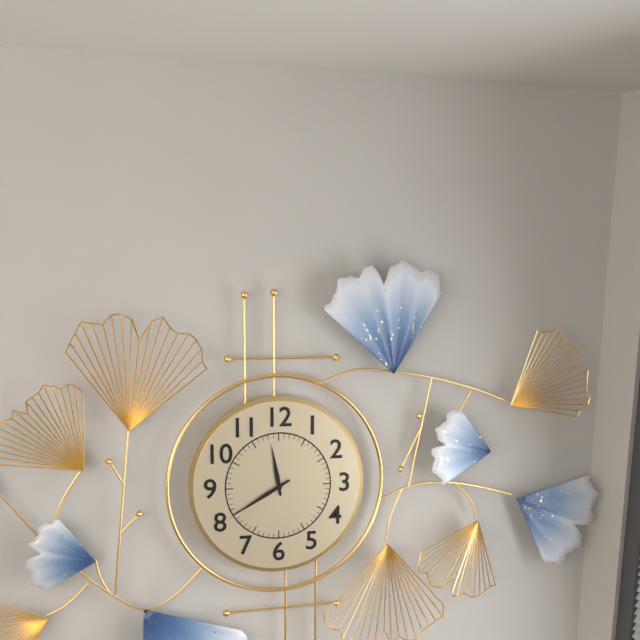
11:40
